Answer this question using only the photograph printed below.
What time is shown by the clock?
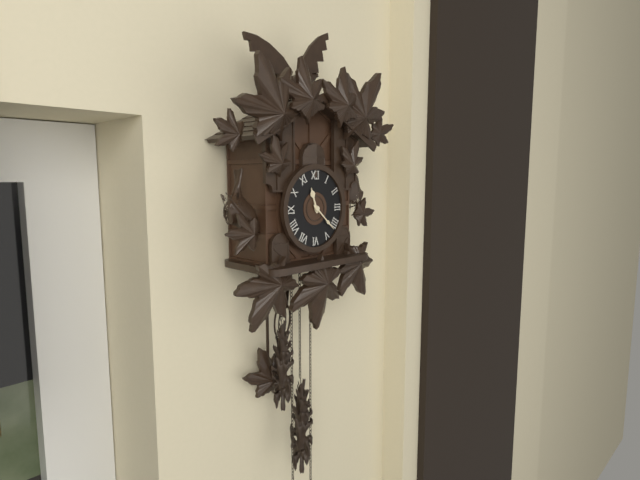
11:22
